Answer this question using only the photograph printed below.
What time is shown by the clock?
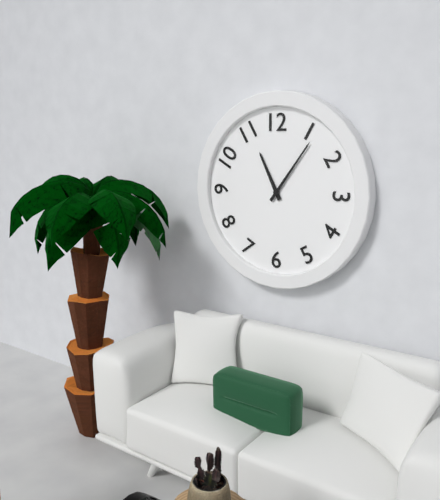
11:06
